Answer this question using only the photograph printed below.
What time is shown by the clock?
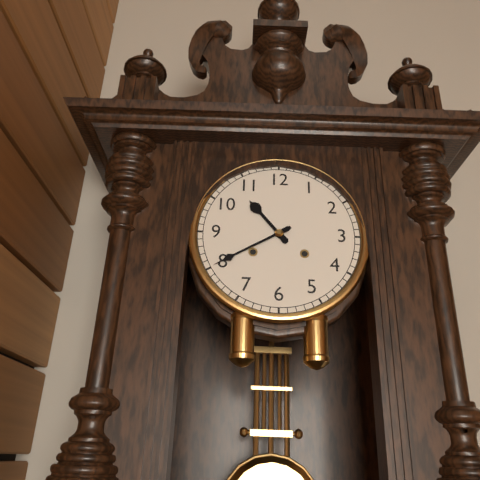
10:40
